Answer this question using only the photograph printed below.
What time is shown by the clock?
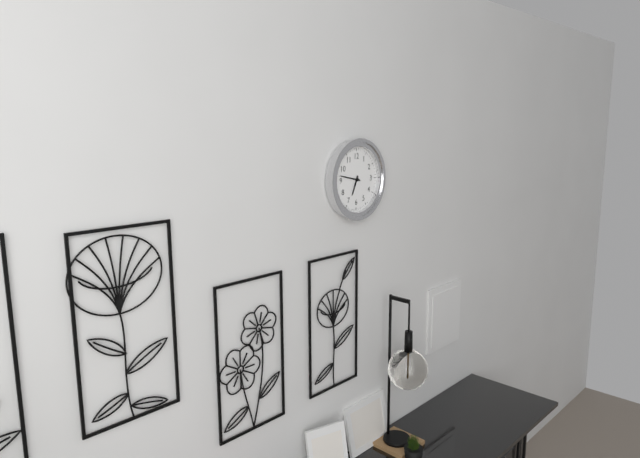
6:47
